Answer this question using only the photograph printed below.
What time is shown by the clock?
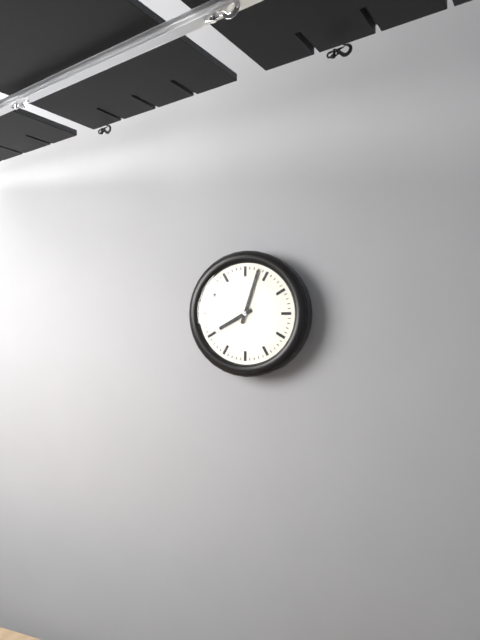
8:03
